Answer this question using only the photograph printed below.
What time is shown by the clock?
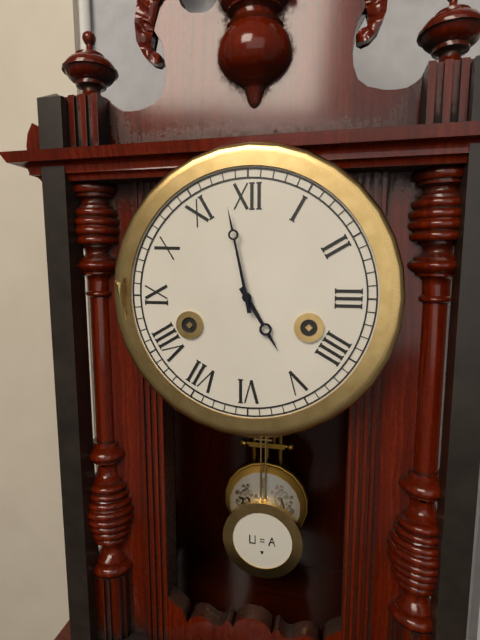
4:58
